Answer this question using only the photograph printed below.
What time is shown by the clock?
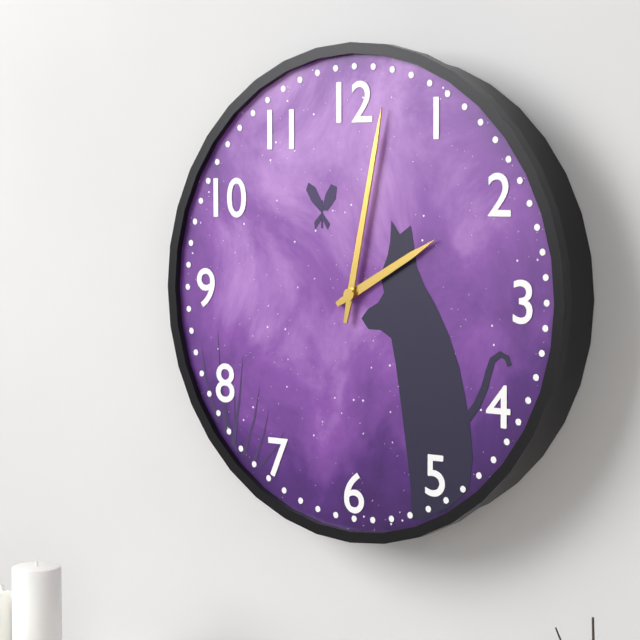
2:02
